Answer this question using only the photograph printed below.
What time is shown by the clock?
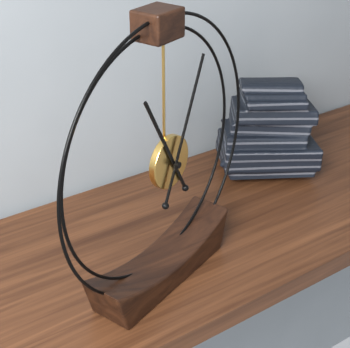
11:04
